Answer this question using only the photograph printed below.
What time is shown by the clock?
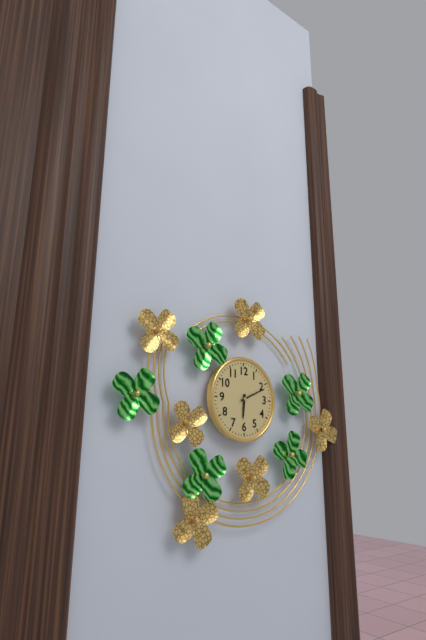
6:11
